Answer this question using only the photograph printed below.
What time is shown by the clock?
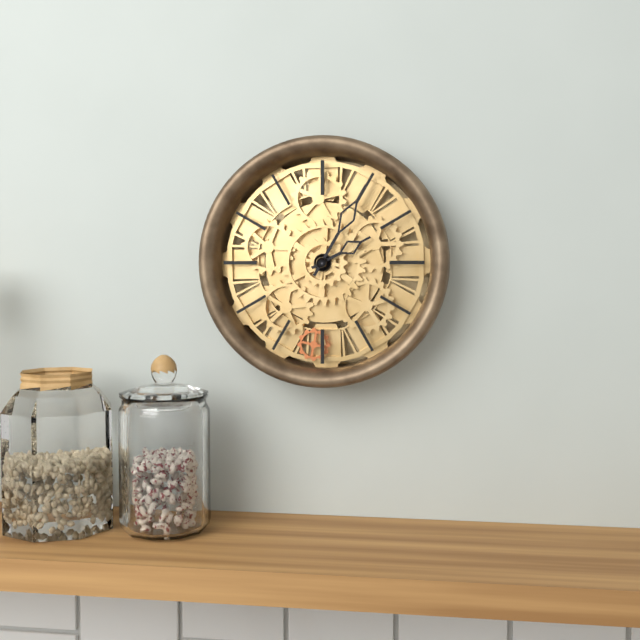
2:05
